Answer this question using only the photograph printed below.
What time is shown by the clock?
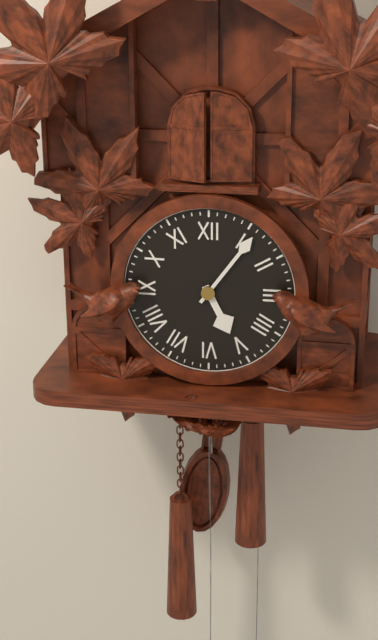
5:06
